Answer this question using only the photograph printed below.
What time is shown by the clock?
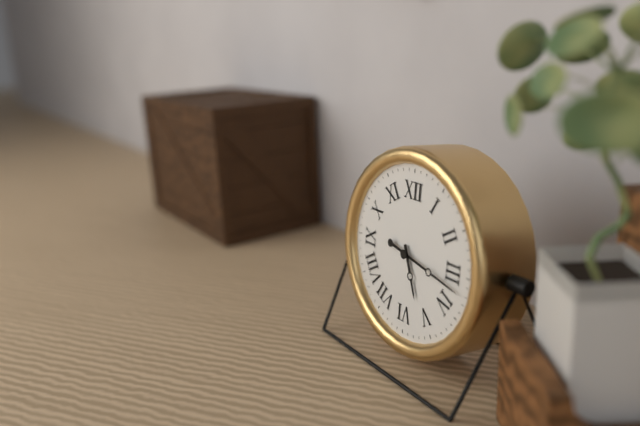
5:17
